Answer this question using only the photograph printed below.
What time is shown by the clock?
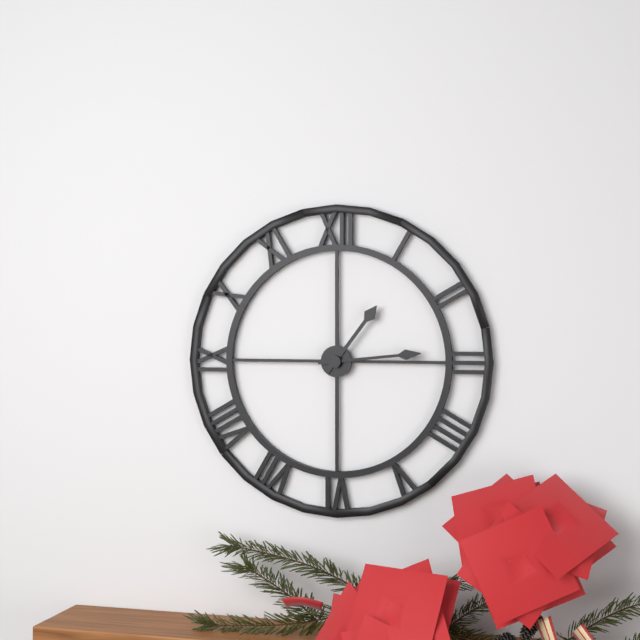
1:14
